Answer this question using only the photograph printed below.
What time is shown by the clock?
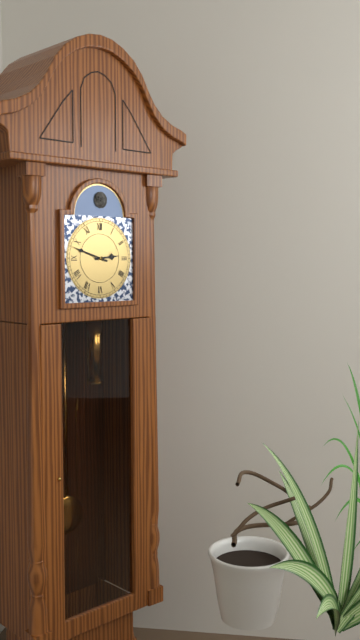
2:48
